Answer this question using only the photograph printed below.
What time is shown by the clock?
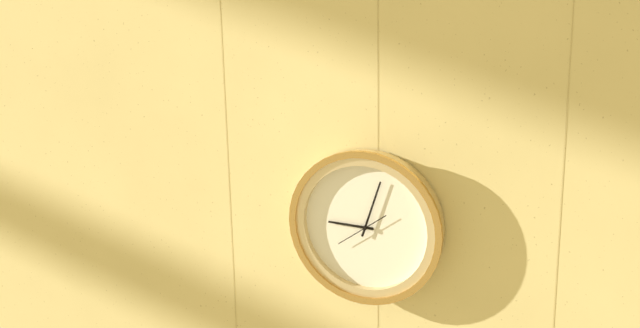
9:03
